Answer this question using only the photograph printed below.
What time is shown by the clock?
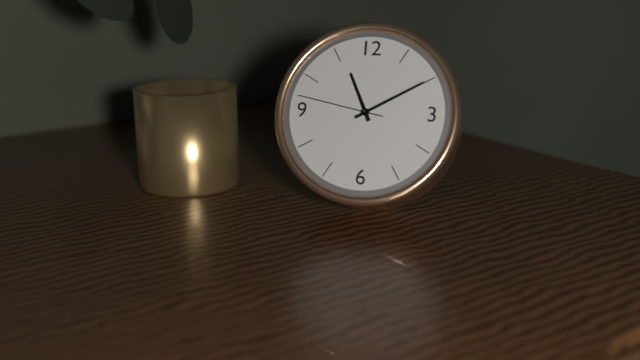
11:10:47
